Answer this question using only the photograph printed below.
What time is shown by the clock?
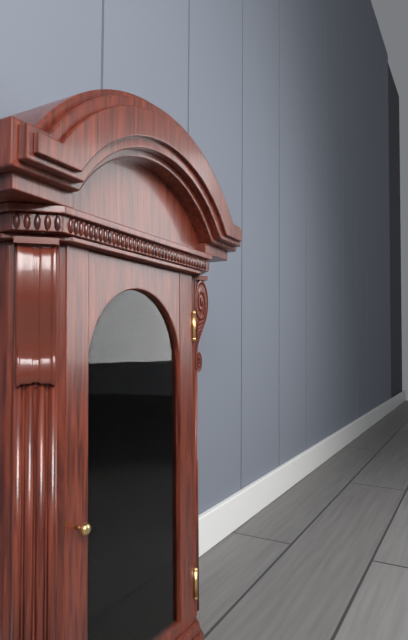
2:16
